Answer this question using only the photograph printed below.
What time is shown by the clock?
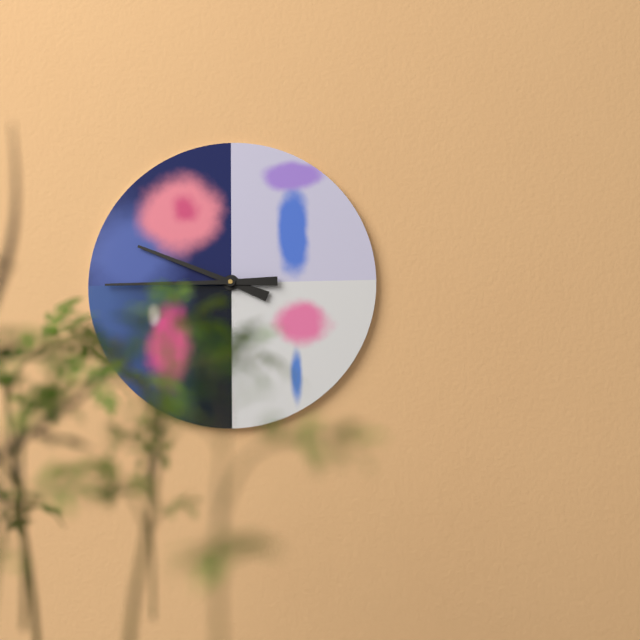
9:45
